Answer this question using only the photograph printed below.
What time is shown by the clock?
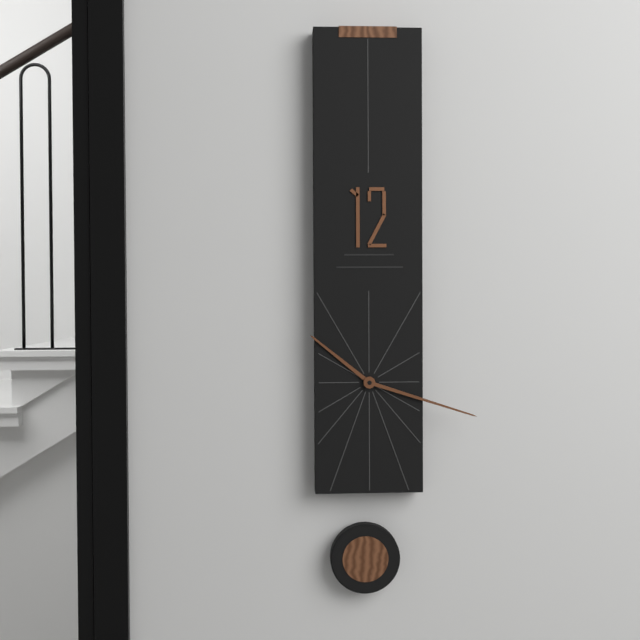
10:18
